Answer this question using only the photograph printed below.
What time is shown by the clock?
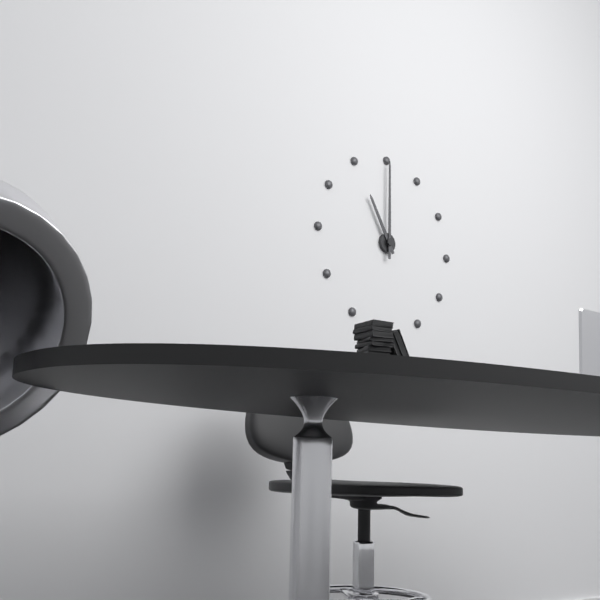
11:00
